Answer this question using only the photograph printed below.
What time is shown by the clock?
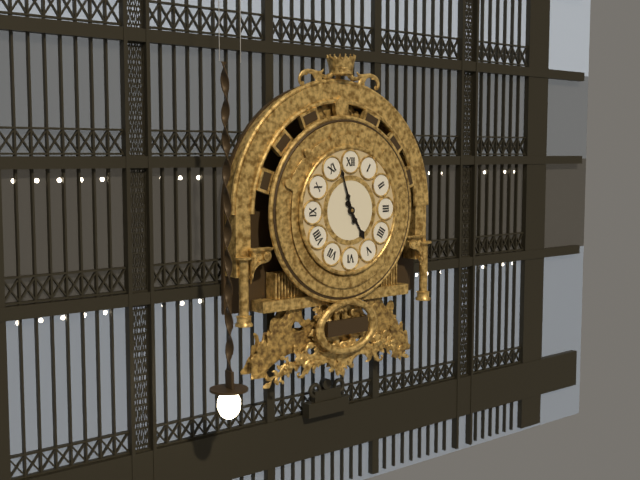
4:57
